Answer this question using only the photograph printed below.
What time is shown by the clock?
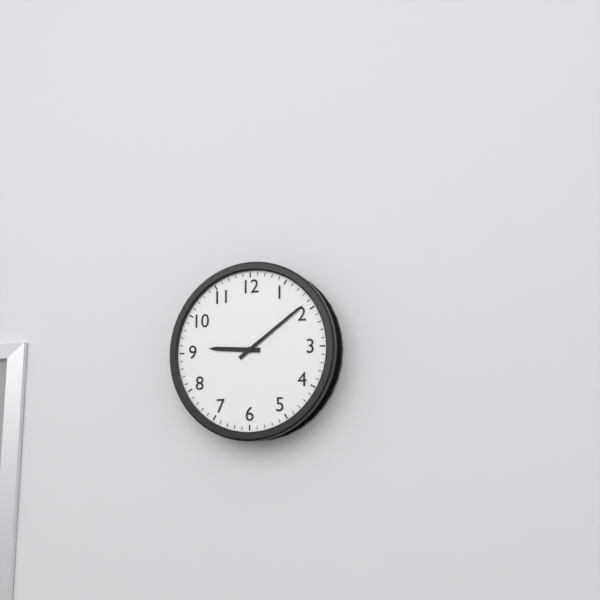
9:09
